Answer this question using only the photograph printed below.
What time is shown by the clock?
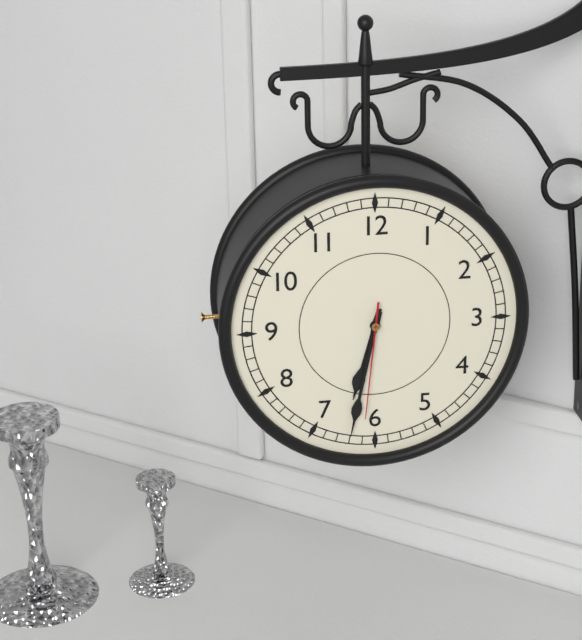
6:32:31
